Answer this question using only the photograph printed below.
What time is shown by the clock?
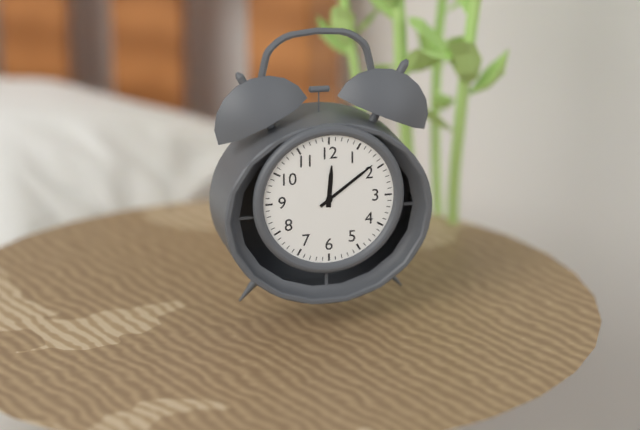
12:09
